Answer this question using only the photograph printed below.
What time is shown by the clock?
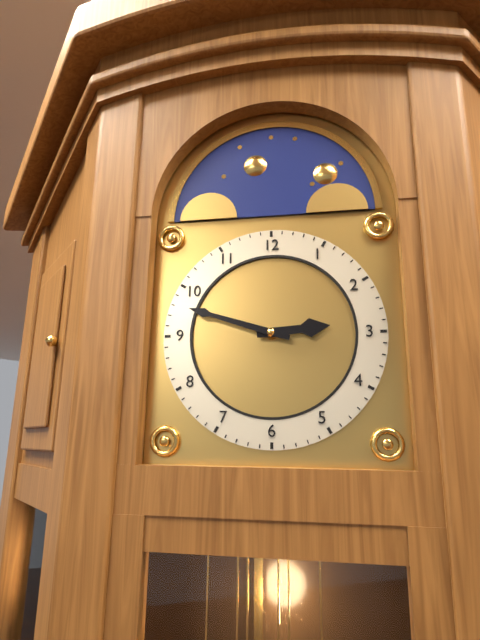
2:48
